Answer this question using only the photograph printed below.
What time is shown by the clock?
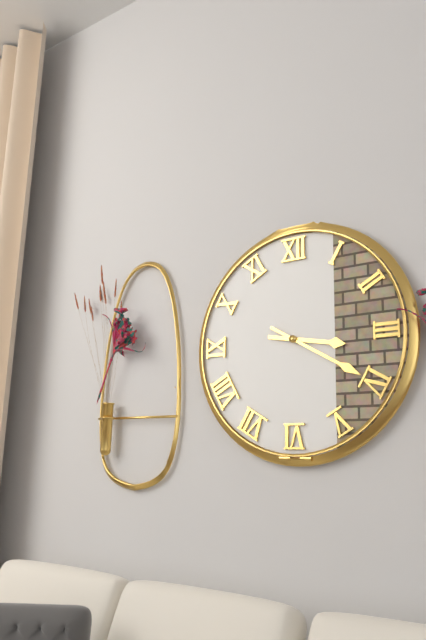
3:20
